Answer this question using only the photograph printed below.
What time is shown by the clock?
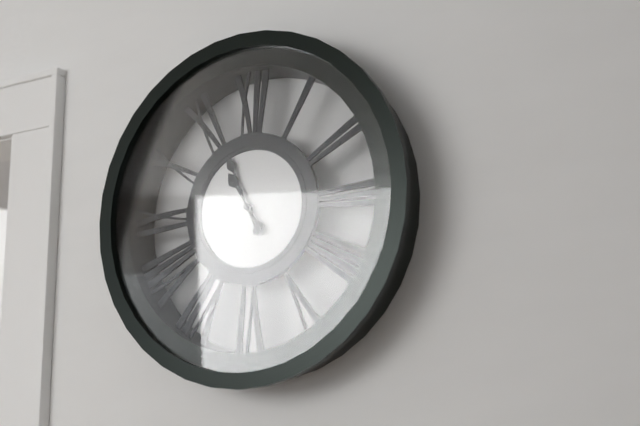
10:56
